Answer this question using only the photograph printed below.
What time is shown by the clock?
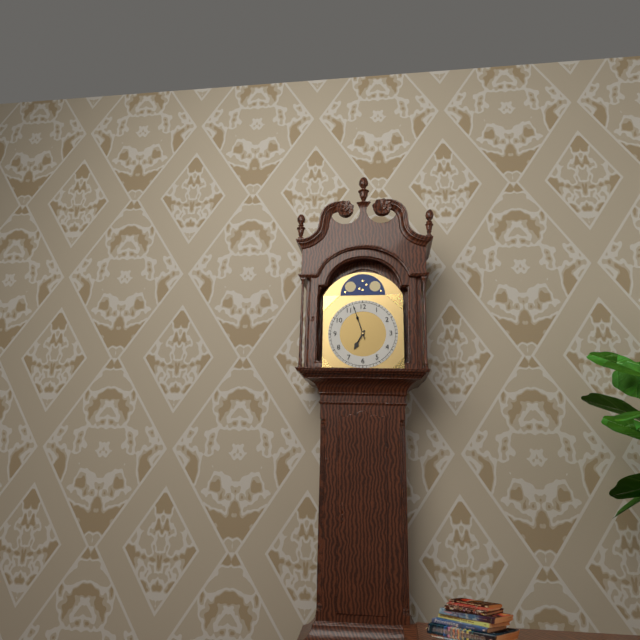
6:57
